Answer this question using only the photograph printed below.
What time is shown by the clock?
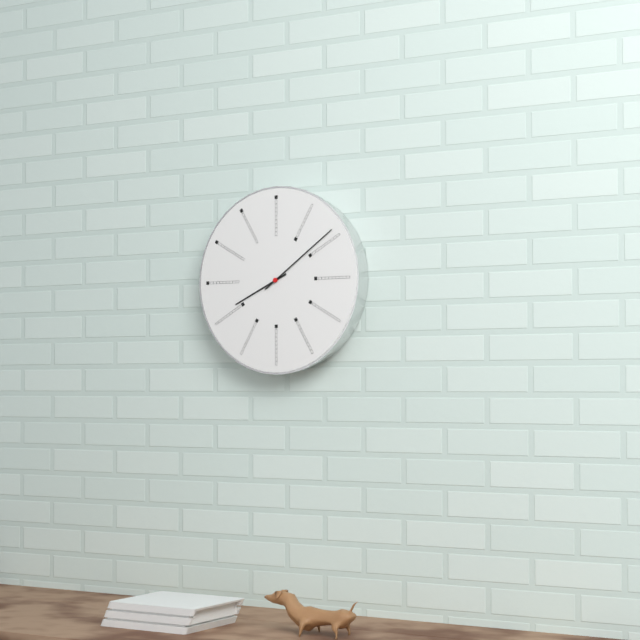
8:09
